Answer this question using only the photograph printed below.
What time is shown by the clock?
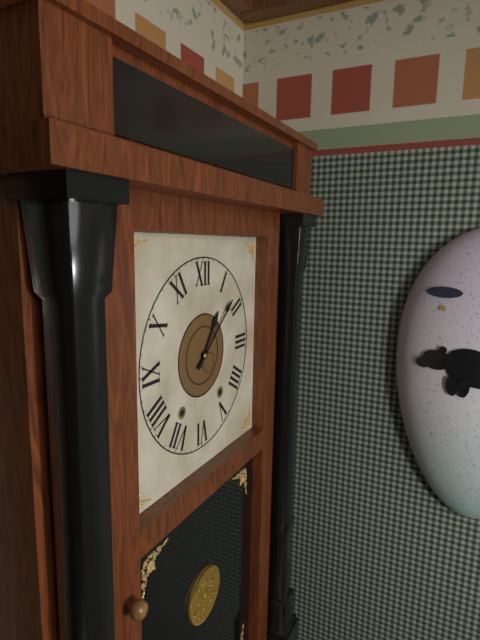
1:08
